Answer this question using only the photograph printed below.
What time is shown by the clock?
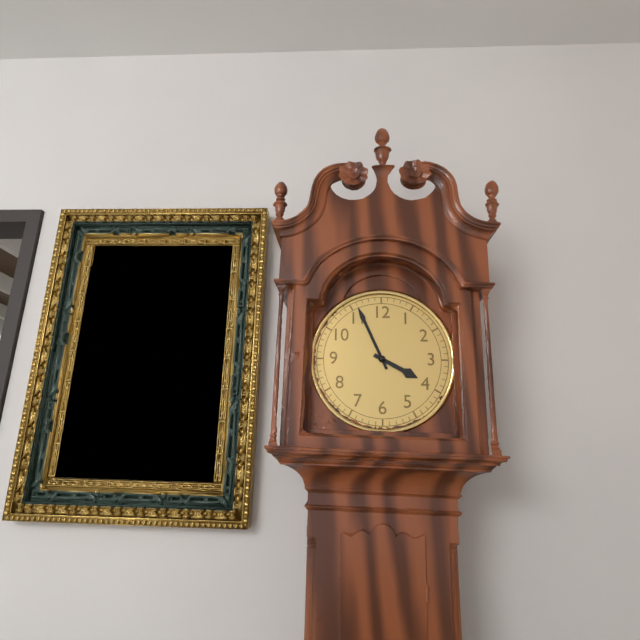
3:56
